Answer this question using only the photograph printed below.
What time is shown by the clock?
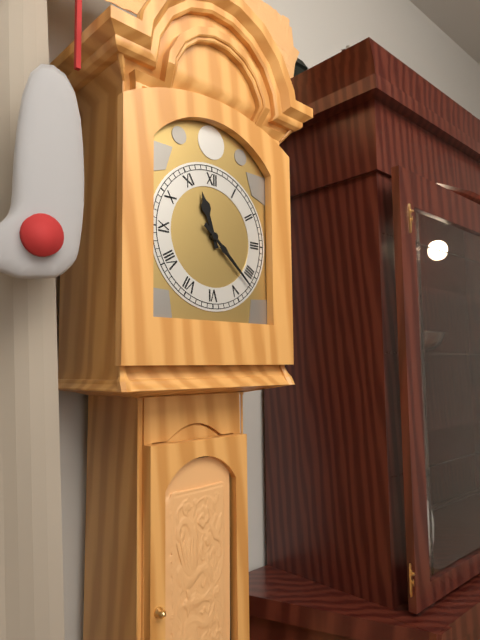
11:22
